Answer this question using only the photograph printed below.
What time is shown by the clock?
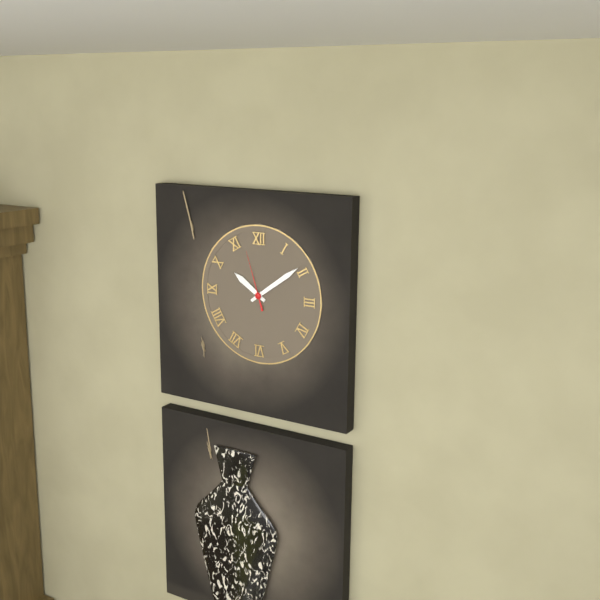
10:09:57
